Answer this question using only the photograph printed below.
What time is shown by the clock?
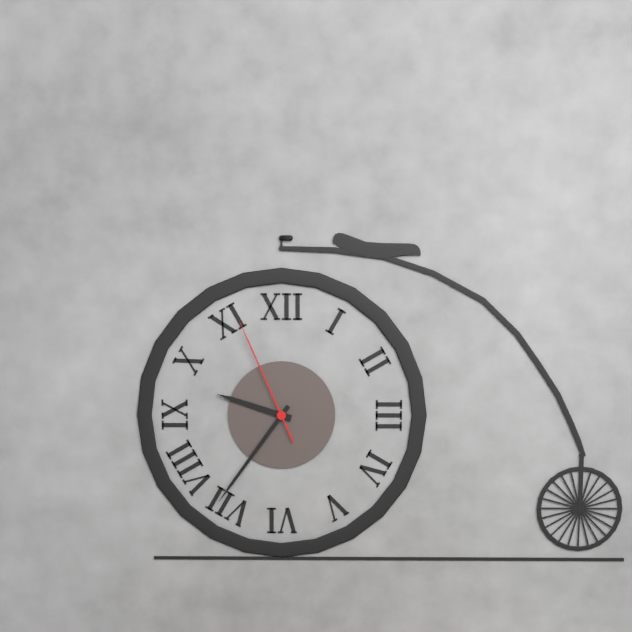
9:36:56
